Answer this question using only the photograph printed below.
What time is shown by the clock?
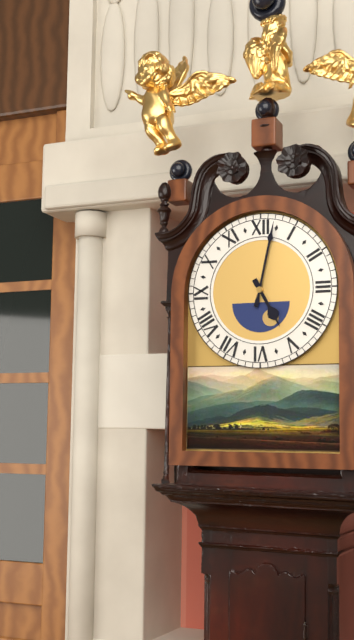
5:02
